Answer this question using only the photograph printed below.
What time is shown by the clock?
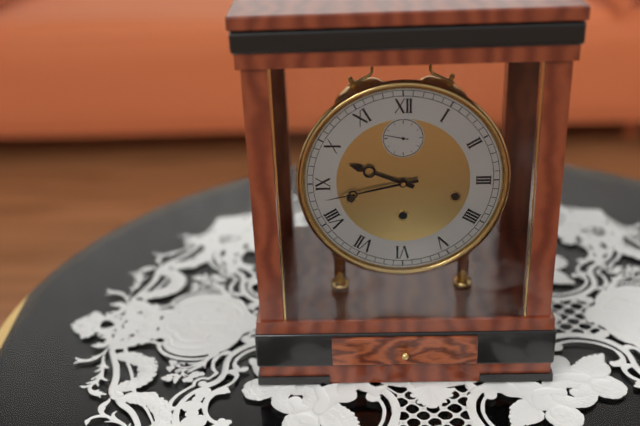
9:43
